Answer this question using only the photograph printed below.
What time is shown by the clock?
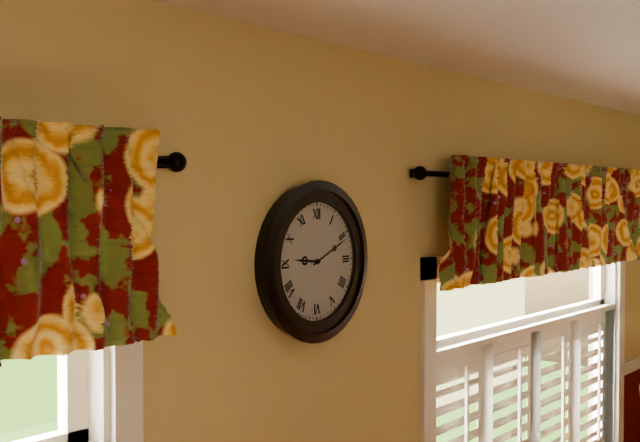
9:11
